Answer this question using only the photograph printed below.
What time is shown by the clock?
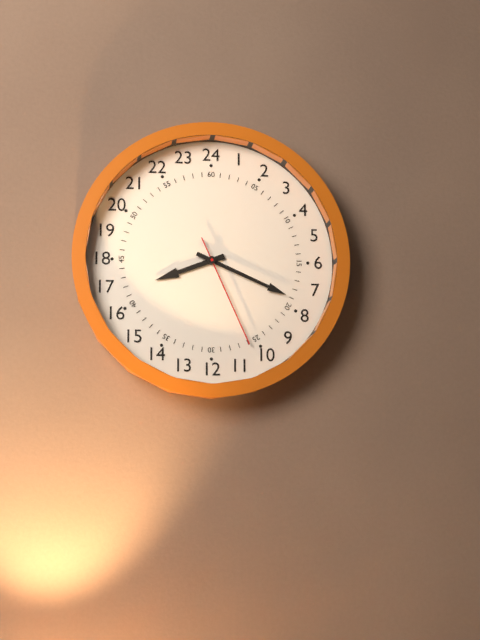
8:19:26
